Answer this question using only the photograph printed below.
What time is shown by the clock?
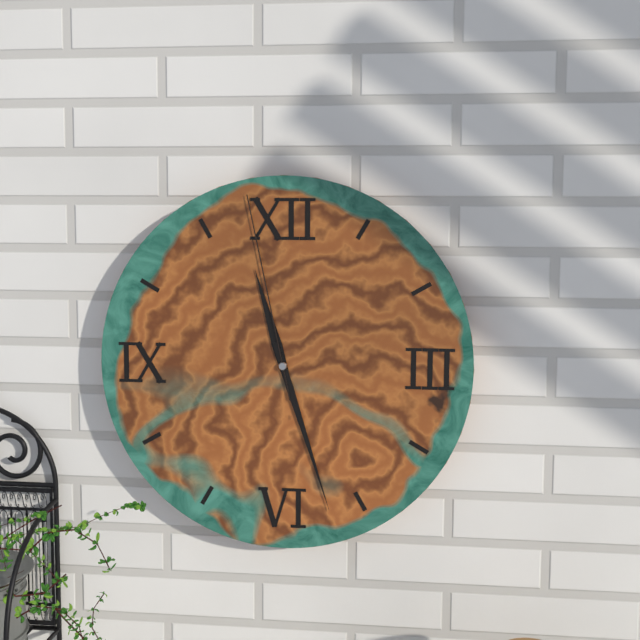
11:27:58
